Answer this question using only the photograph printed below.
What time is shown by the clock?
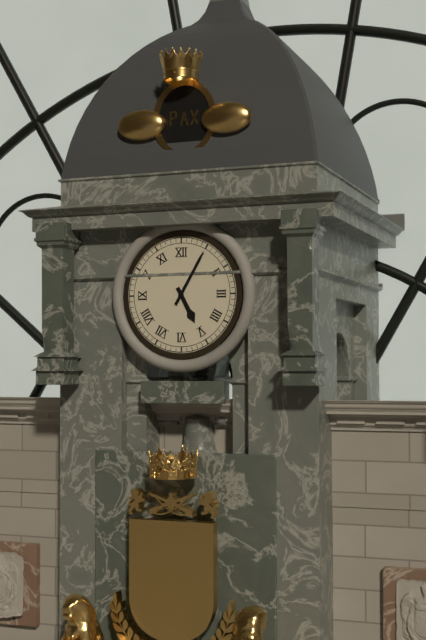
5:05
